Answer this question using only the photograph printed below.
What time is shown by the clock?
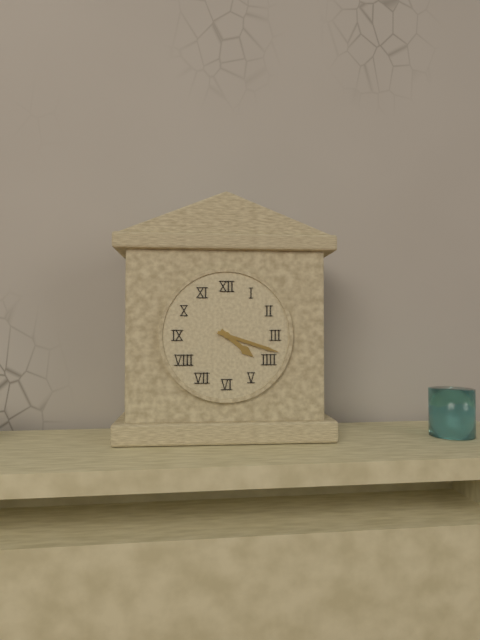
4:18
